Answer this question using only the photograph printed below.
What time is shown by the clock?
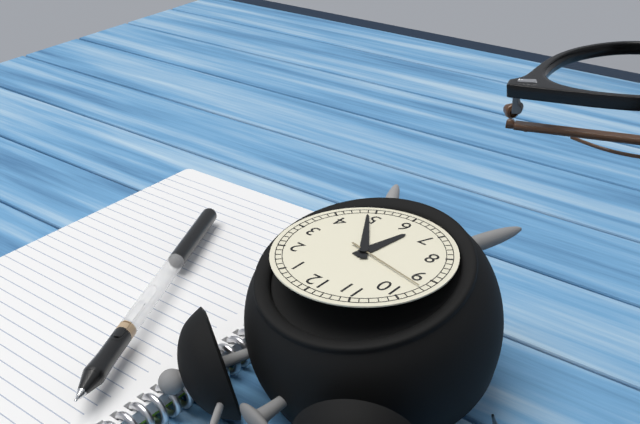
6:24:47
